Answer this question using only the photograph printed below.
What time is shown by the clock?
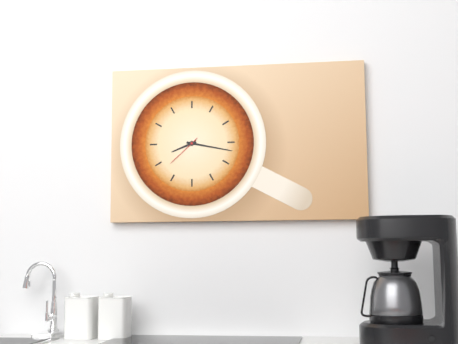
8:17
